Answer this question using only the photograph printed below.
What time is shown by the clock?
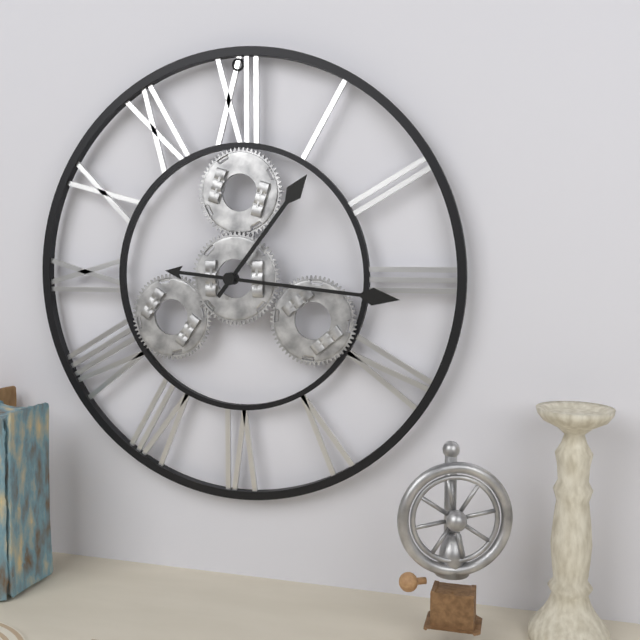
1:16
